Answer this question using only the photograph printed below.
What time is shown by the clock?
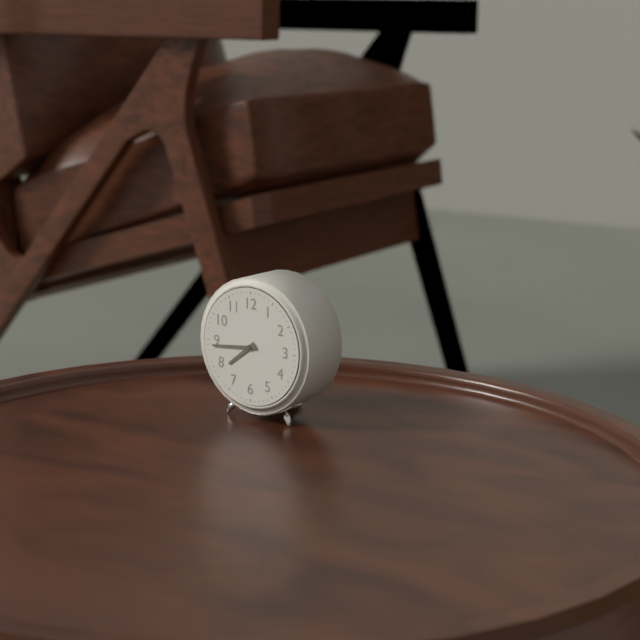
7:44
